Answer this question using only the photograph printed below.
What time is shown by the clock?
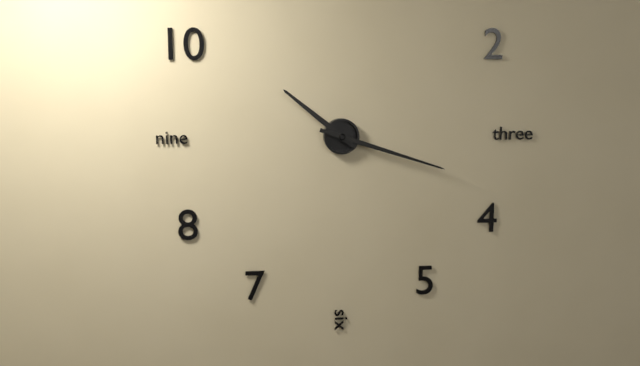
10:18
